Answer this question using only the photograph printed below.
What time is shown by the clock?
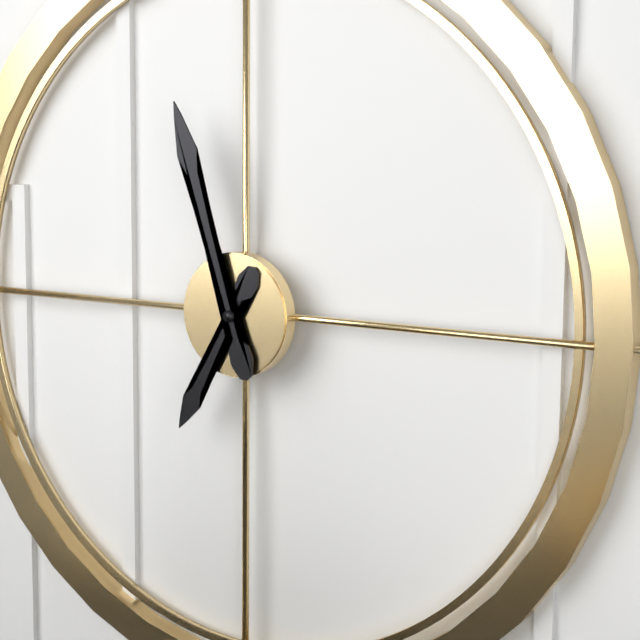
6:57
